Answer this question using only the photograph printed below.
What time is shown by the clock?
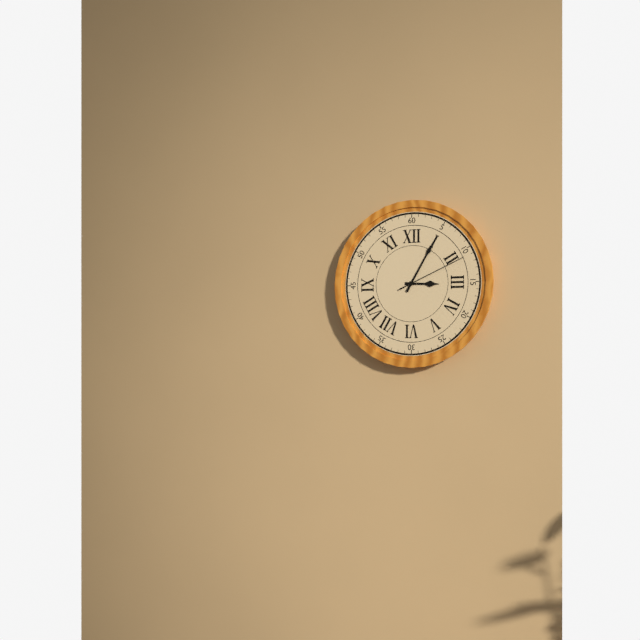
3:05:11
